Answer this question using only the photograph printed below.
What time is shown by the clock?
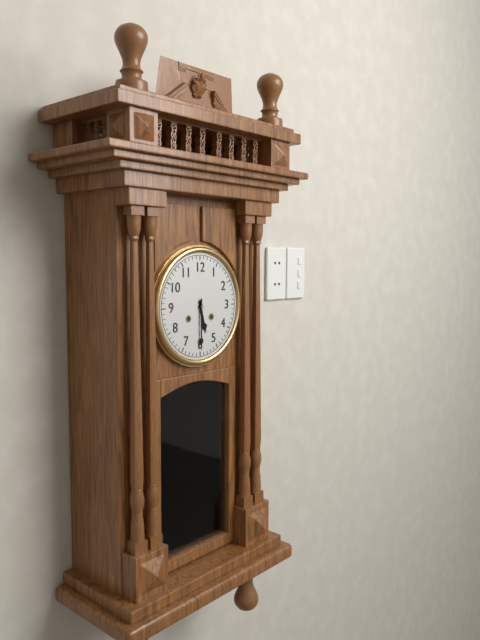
5:30
